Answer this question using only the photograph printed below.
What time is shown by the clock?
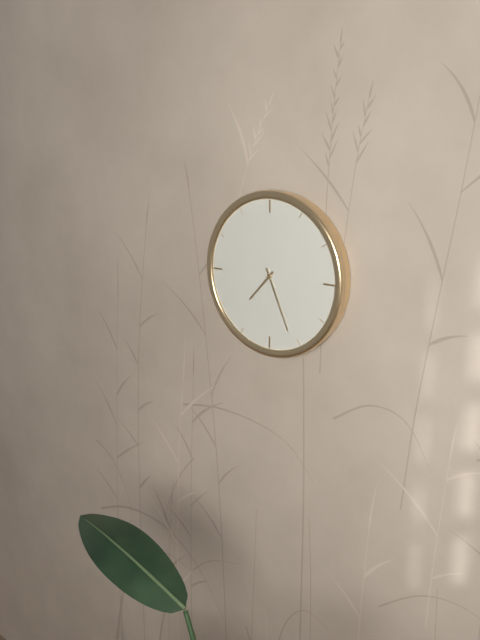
7:26
